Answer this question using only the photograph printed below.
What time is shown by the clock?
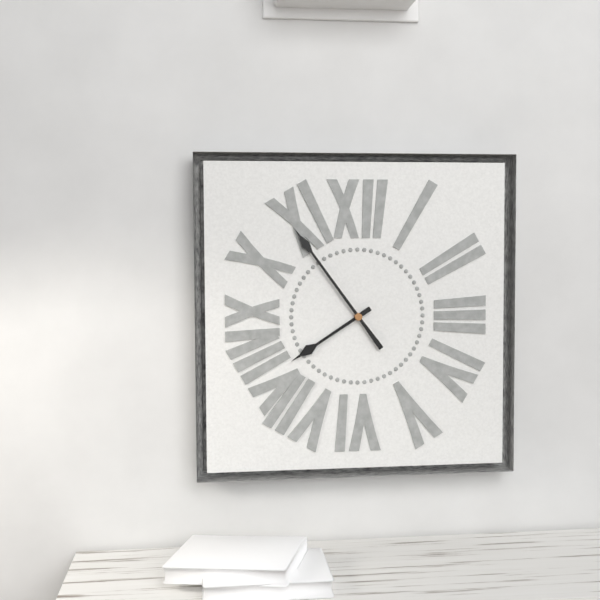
7:54
